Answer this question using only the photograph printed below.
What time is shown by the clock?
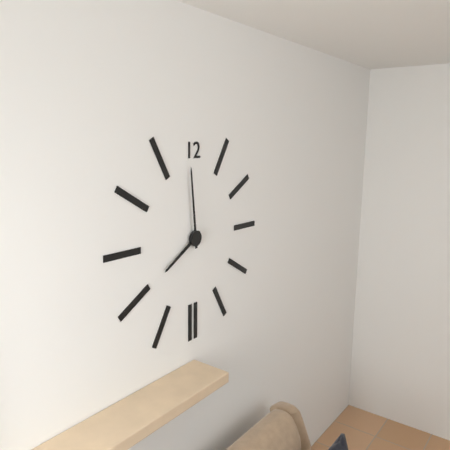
7:59
